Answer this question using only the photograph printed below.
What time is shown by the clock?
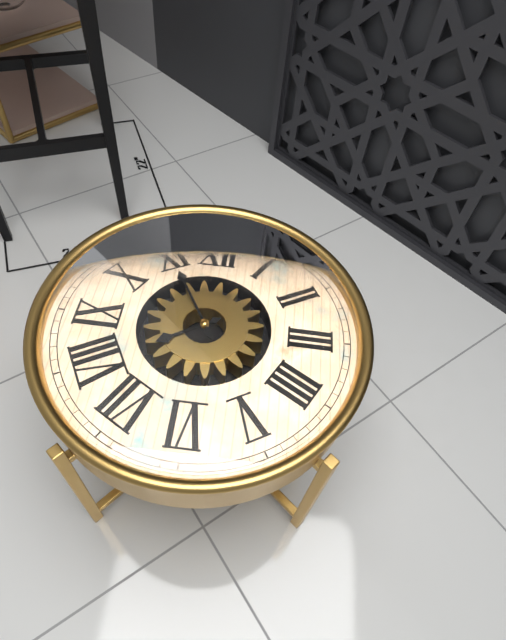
7:55
